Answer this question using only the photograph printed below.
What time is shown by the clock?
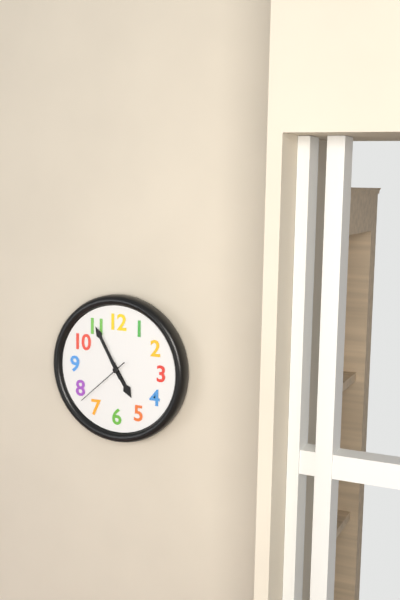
4:55:38
